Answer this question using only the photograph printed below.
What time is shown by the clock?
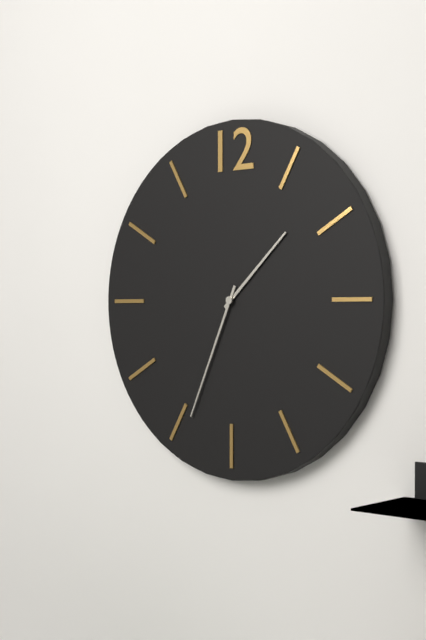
1:34
